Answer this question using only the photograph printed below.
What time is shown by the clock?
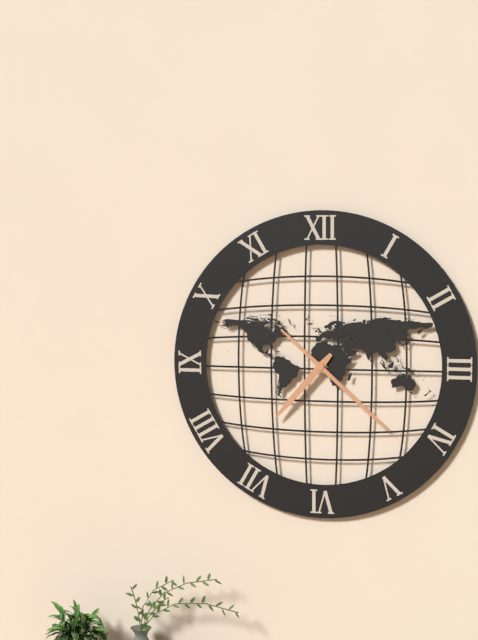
7:22
